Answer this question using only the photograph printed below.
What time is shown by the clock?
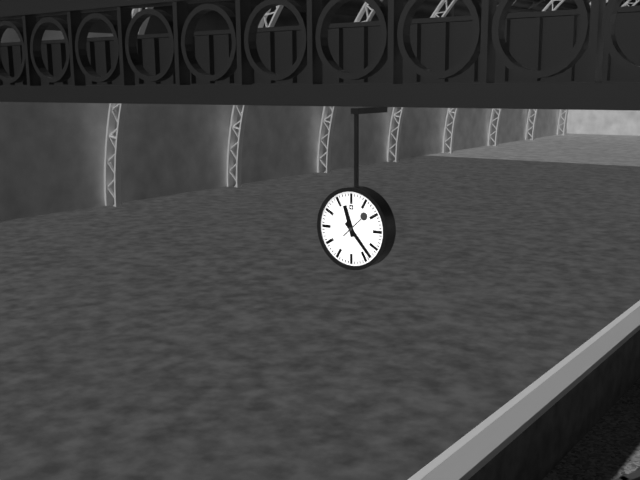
11:23
